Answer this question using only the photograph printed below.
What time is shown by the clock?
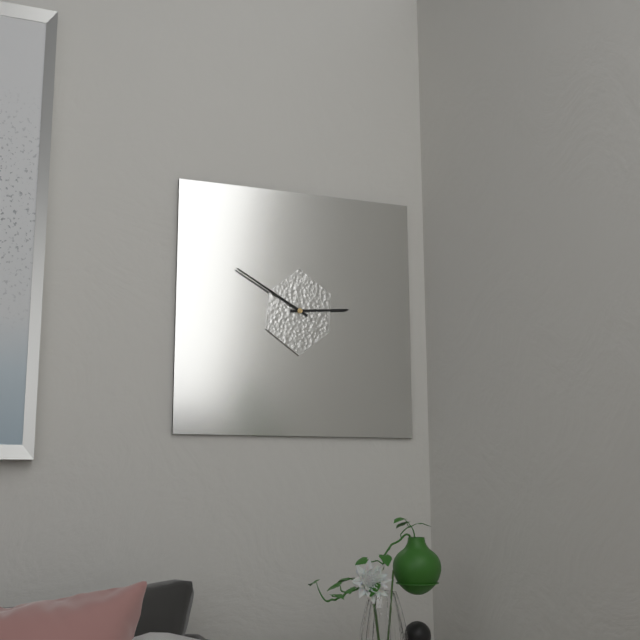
2:50
